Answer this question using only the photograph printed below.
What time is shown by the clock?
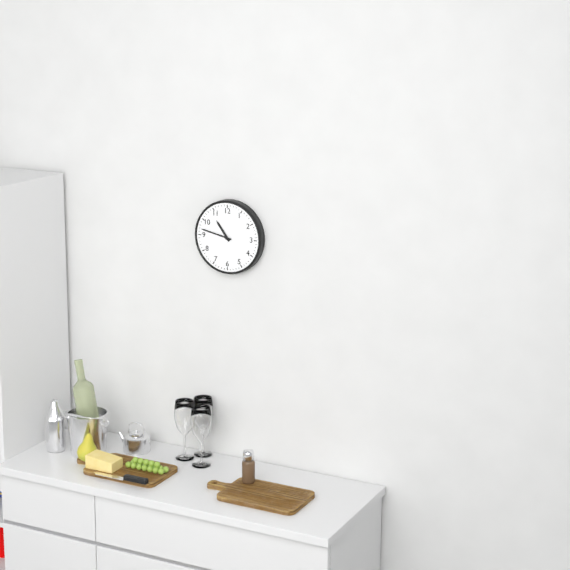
10:47
